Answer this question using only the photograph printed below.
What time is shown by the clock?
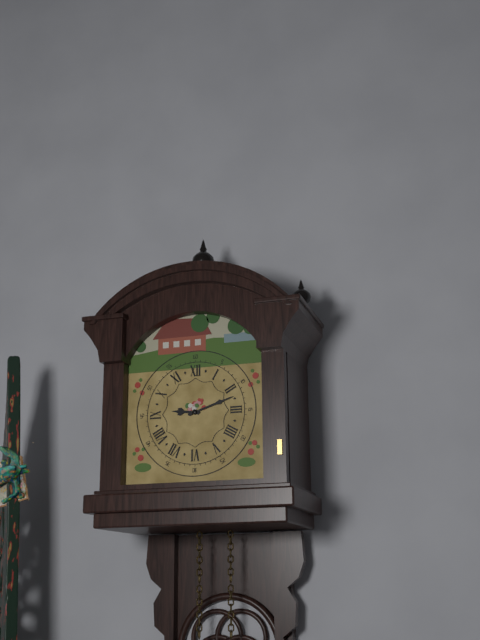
9:12
